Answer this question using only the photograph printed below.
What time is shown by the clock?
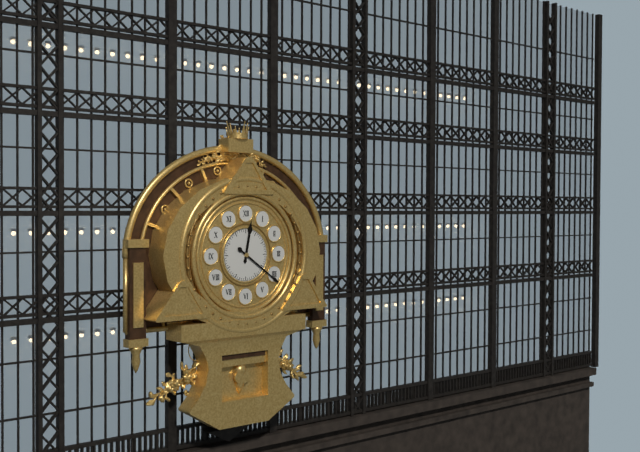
12:21
